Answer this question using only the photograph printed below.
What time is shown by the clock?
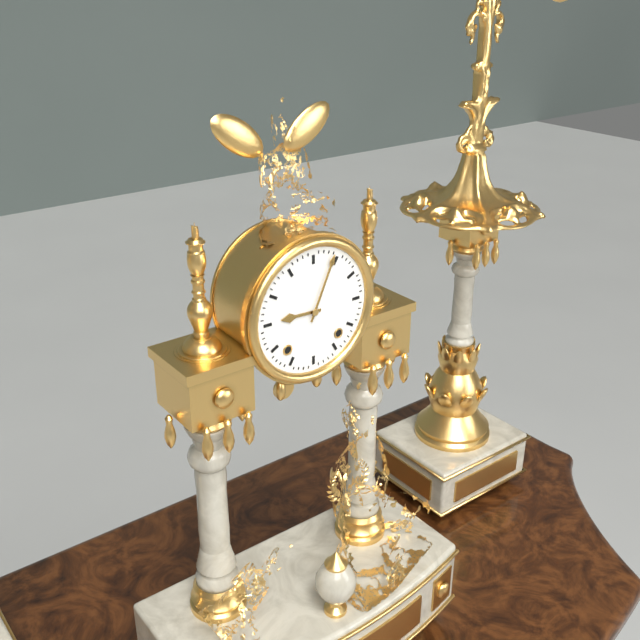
9:04
